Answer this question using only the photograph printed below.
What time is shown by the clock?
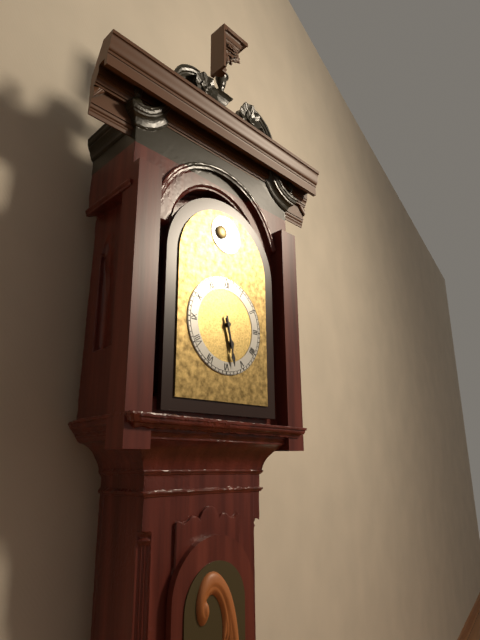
5:28
